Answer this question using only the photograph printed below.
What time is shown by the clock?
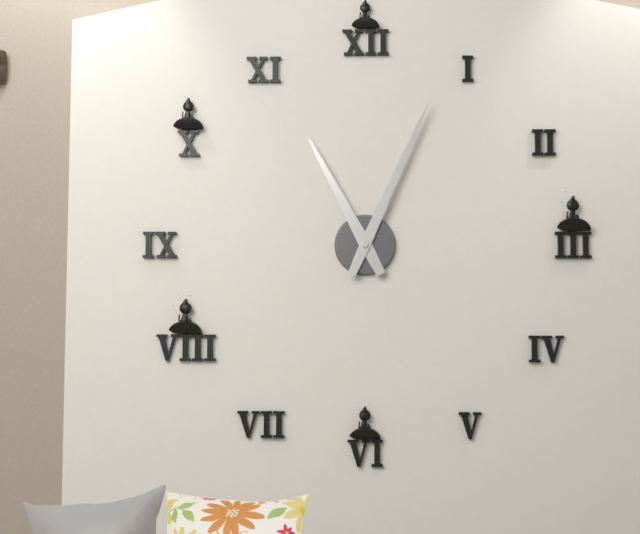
11:04
